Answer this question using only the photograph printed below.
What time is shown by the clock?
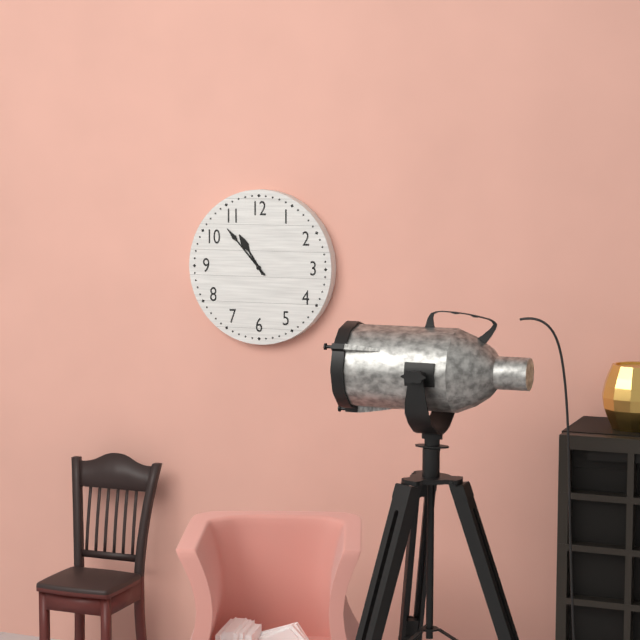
10:53
